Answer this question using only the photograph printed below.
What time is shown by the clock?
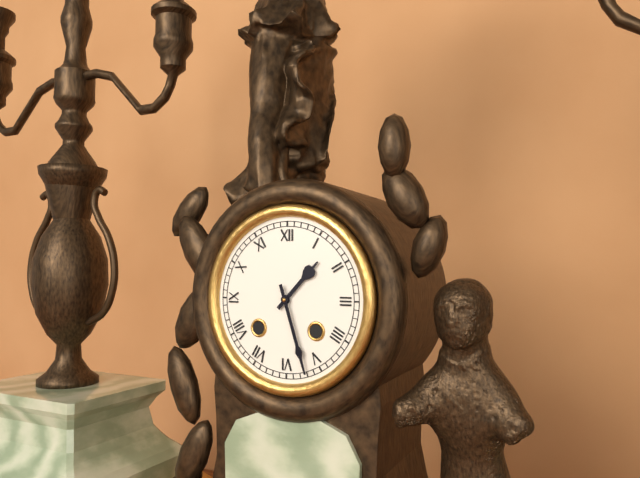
1:27
